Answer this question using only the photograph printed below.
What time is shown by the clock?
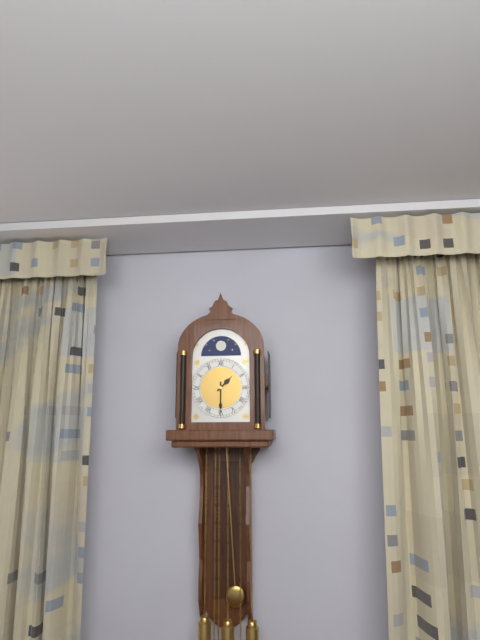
1:30
